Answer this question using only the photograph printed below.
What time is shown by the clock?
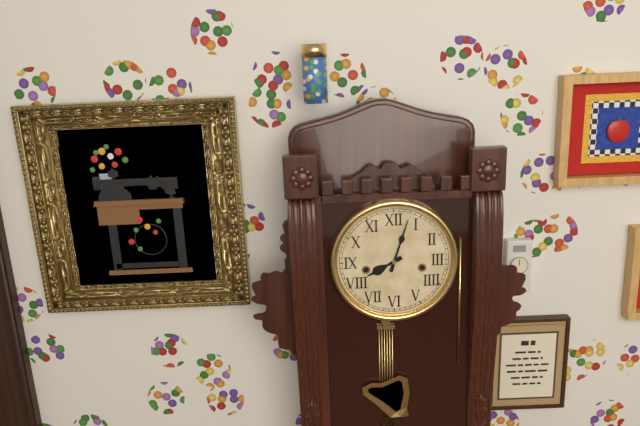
8:03
